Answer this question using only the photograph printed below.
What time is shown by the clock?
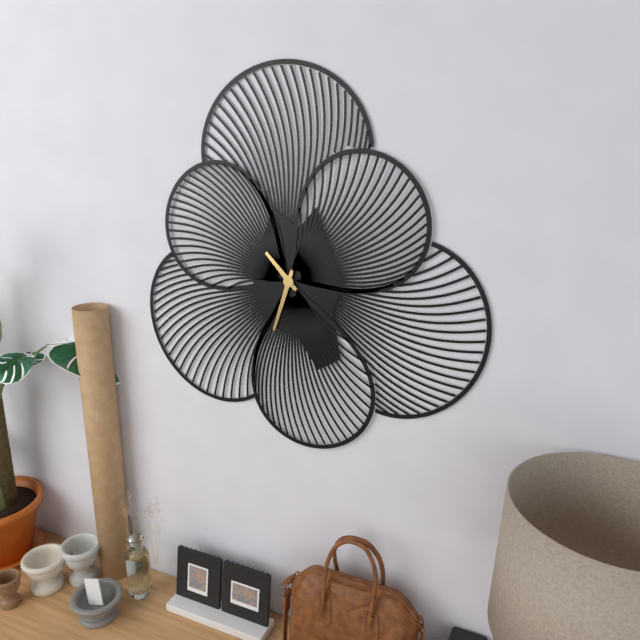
10:33
